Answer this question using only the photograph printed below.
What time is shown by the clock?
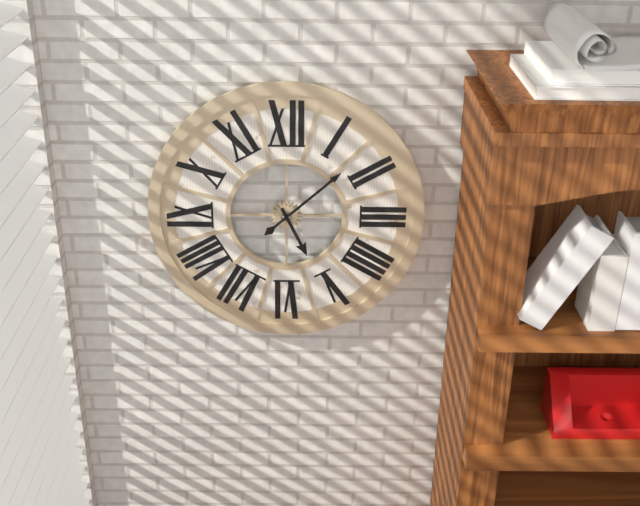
5:08
